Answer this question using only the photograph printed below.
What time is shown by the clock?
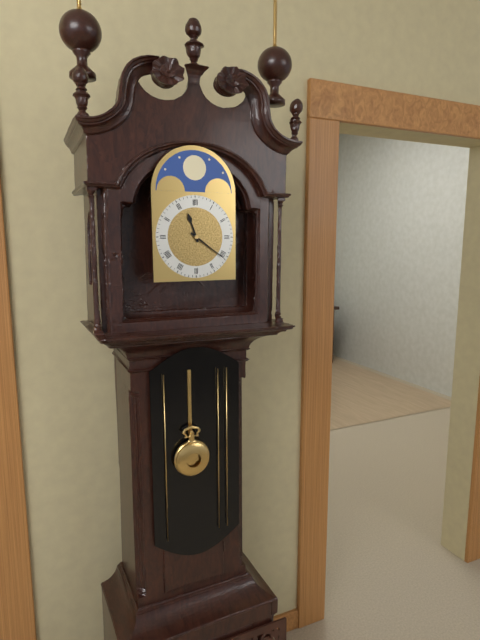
11:21
